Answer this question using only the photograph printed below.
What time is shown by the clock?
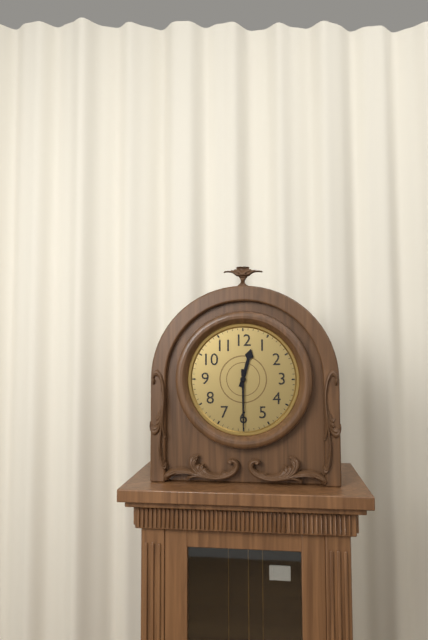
12:30
